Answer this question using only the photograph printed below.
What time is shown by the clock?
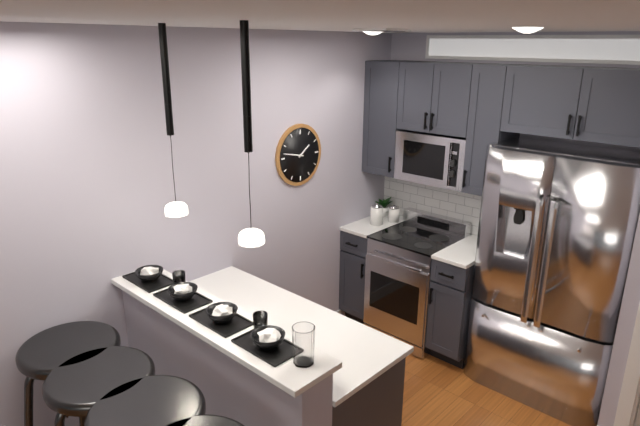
1:47
